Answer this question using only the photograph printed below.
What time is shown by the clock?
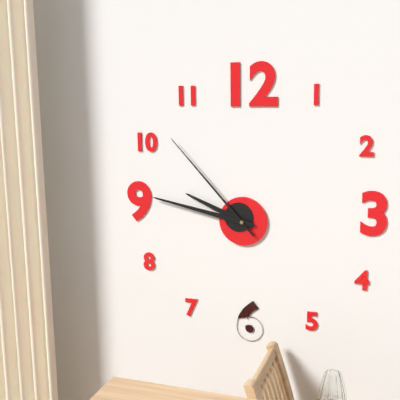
9:47:53
